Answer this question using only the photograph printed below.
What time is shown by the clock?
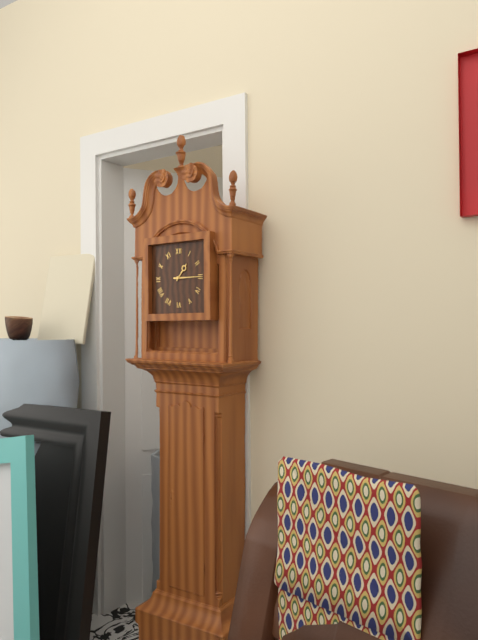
1:15
